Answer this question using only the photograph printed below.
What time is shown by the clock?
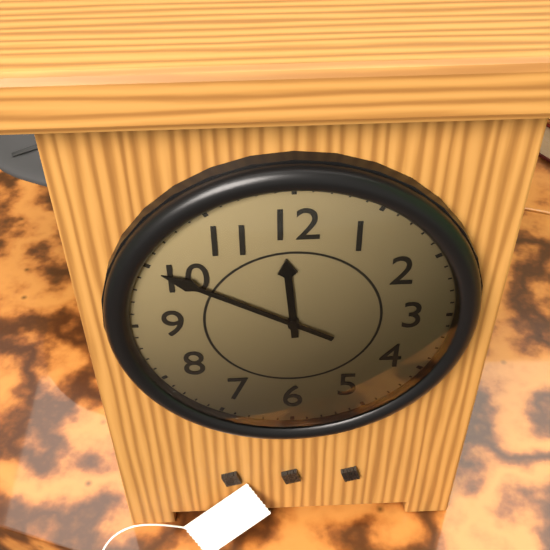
11:50
